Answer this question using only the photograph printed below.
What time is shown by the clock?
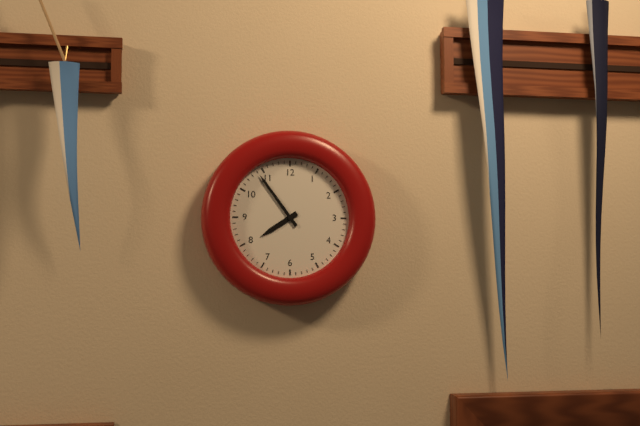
7:54
